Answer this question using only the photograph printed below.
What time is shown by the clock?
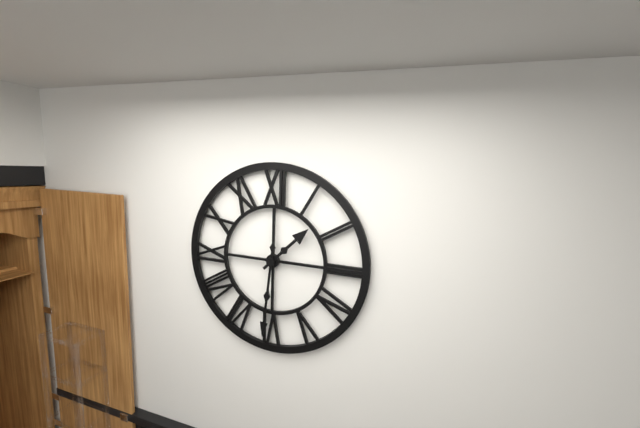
1:31
